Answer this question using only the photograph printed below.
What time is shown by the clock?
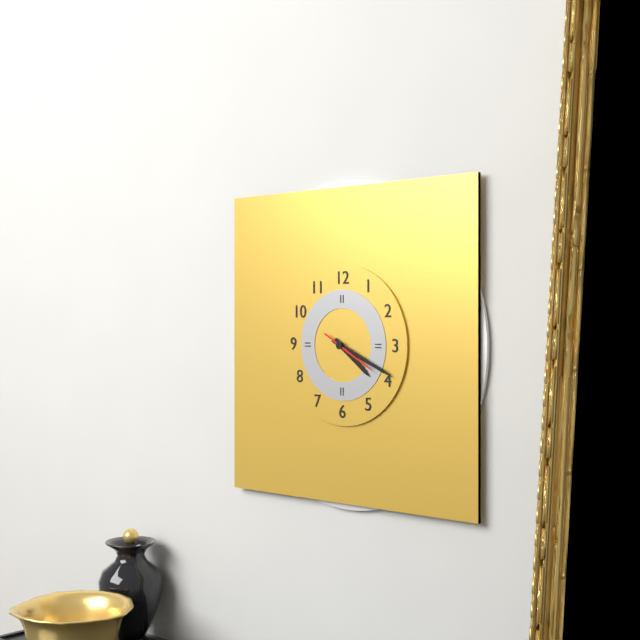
4:19:20
